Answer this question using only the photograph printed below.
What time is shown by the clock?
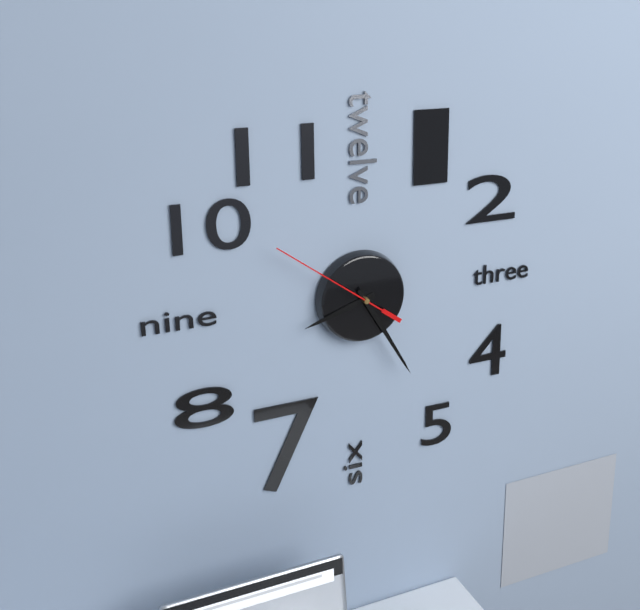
8:25:51
